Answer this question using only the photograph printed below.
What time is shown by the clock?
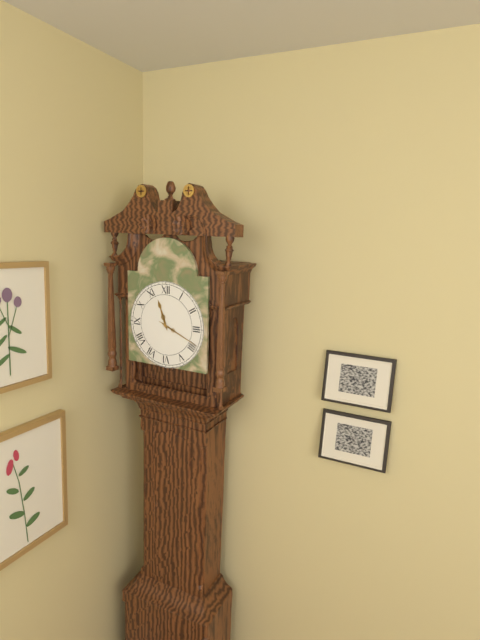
11:19
